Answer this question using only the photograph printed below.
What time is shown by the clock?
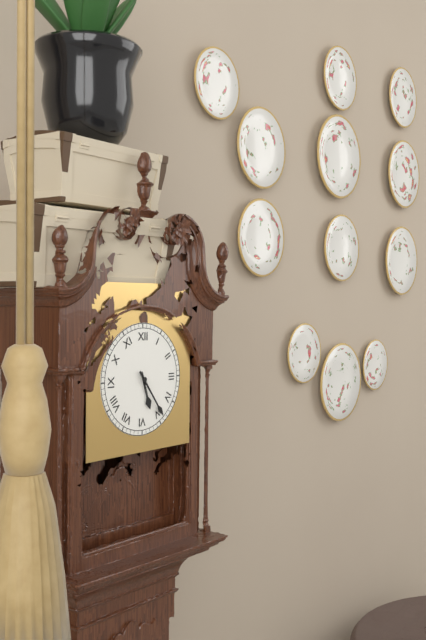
5:24
